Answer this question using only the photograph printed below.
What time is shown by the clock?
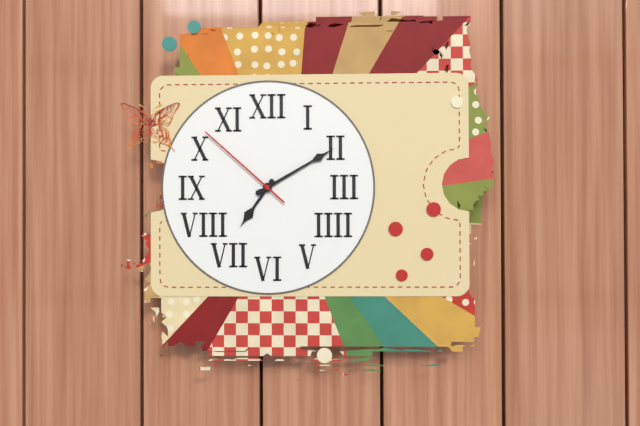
7:10:52
